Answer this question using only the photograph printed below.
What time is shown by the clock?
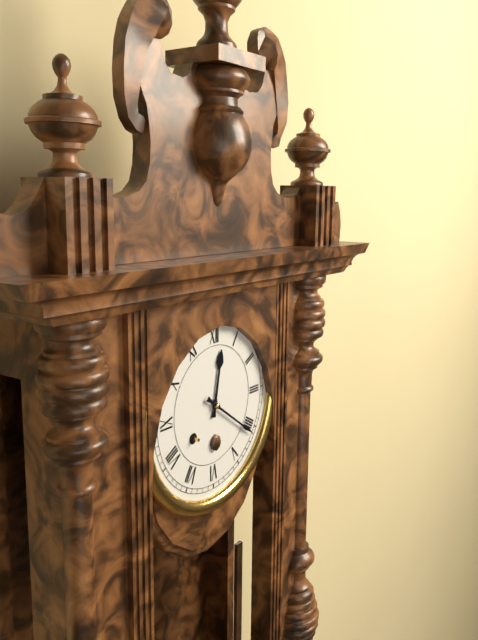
12:21
